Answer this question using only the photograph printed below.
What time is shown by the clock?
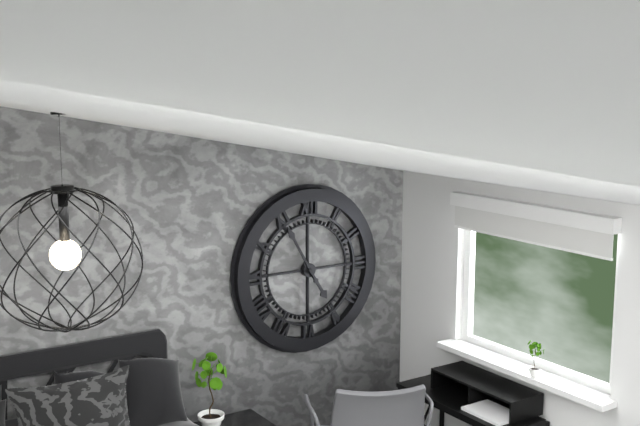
4:55
